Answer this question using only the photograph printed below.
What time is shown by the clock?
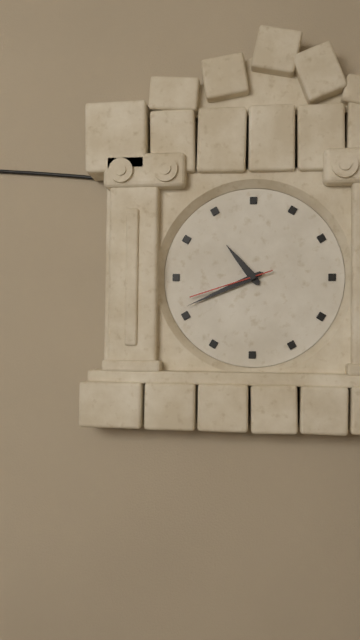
10:41:42
